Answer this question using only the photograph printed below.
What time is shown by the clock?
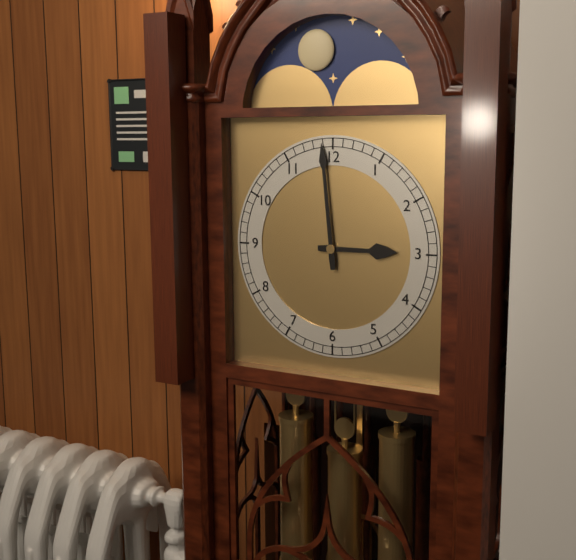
2:59
